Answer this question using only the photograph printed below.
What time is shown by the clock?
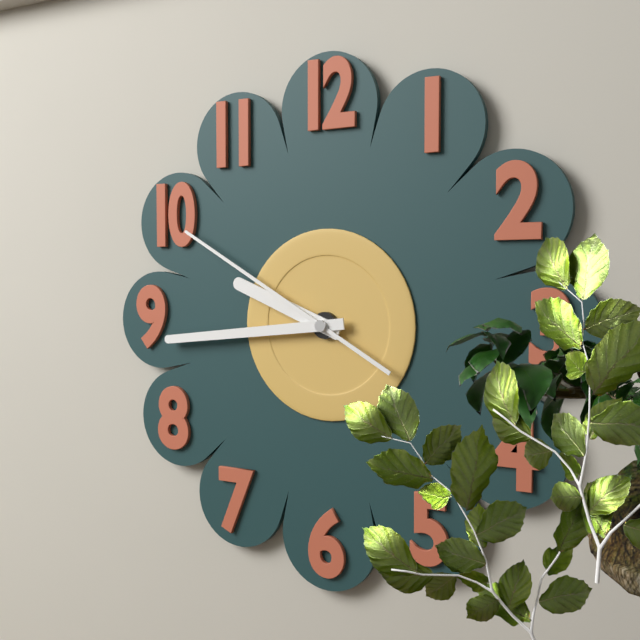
9:44:50
